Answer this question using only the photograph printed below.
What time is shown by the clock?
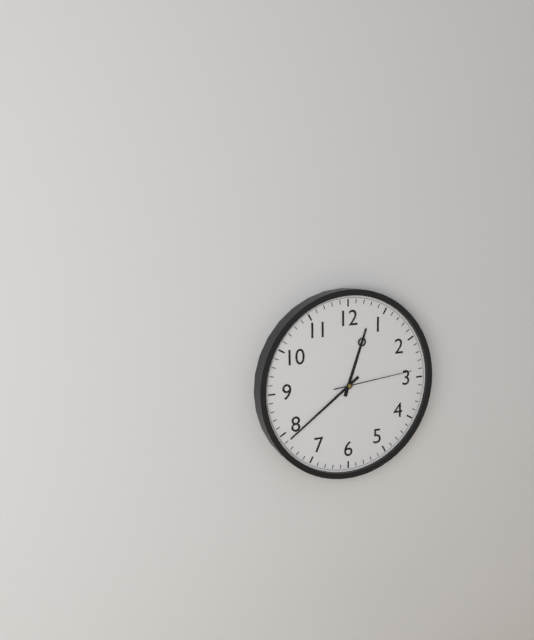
12:39:14
